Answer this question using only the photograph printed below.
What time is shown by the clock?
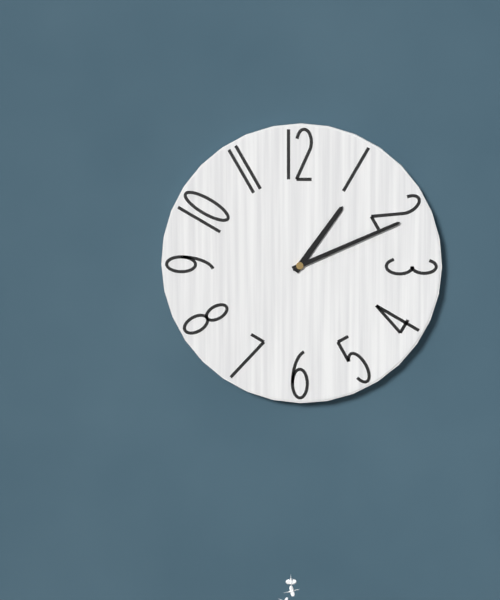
1:11
